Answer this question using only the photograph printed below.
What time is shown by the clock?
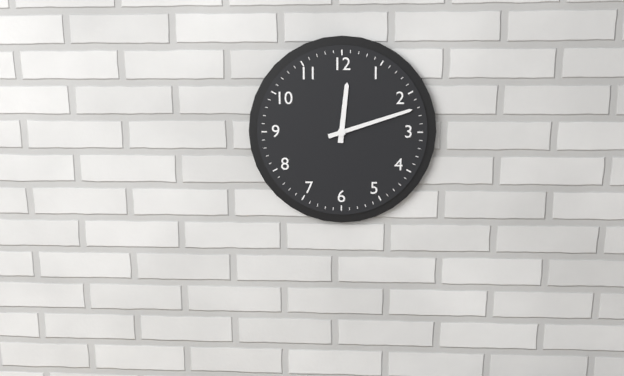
12:12
